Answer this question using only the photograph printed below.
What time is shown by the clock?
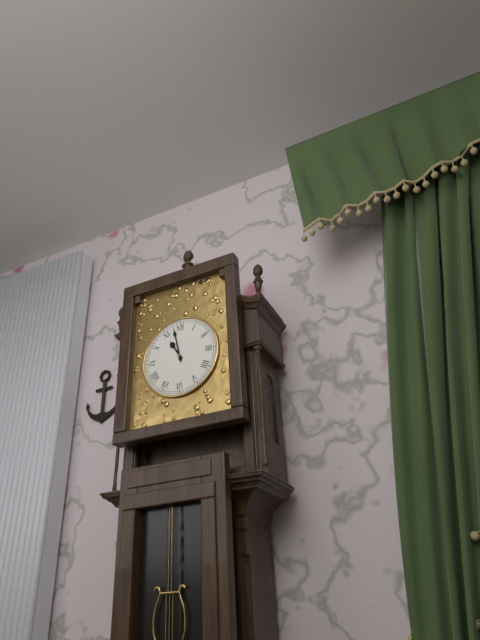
10:58
